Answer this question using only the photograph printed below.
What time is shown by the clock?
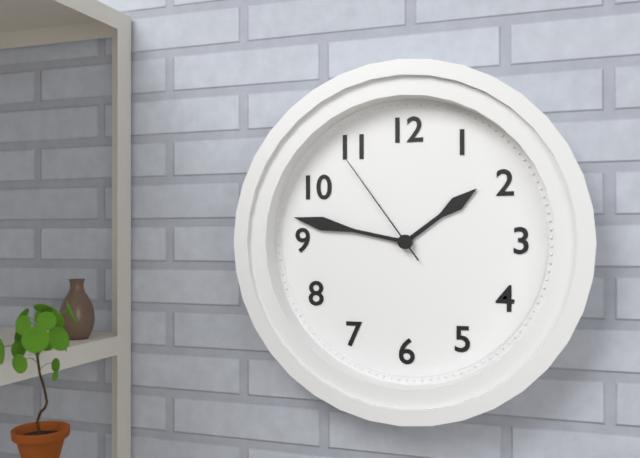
1:47:54
